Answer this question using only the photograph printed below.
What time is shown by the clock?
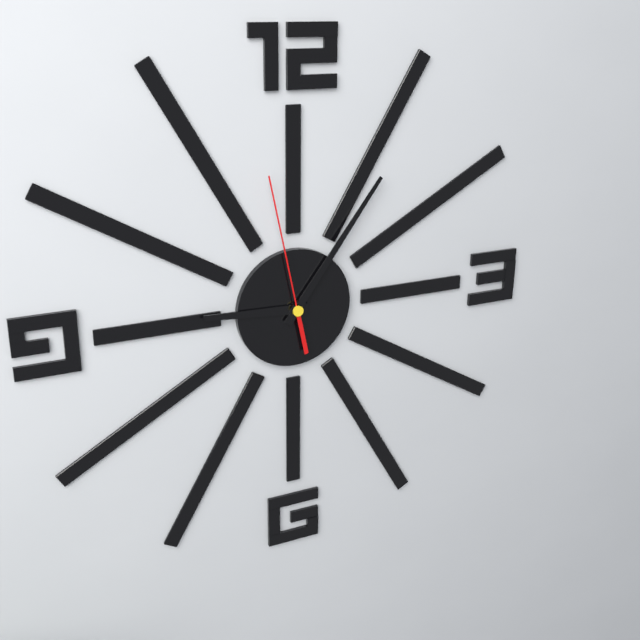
9:06:58
